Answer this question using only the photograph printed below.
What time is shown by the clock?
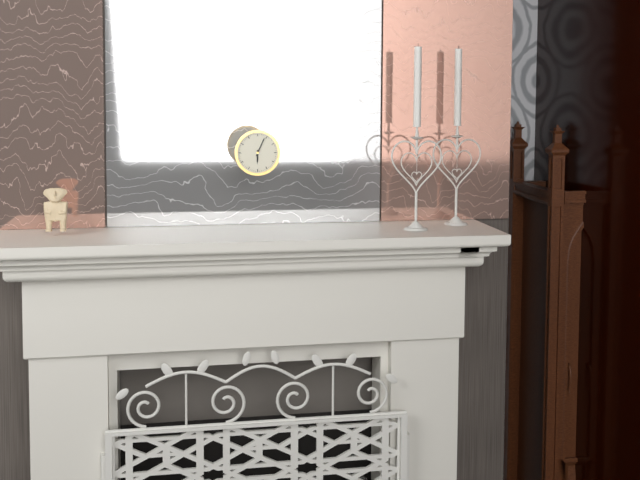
6:04
